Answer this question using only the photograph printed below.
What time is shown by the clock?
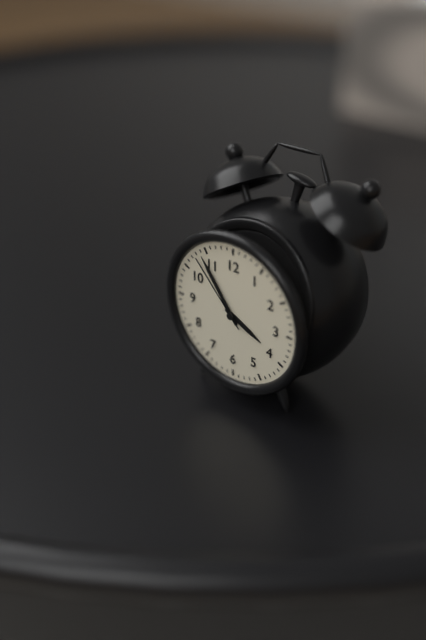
3:54:53
